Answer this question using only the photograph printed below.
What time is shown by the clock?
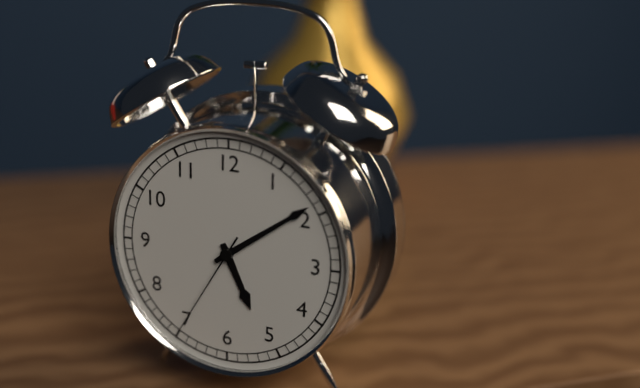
5:09:35
